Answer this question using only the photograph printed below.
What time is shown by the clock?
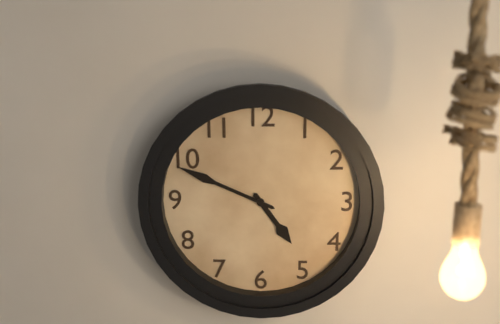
4:49
